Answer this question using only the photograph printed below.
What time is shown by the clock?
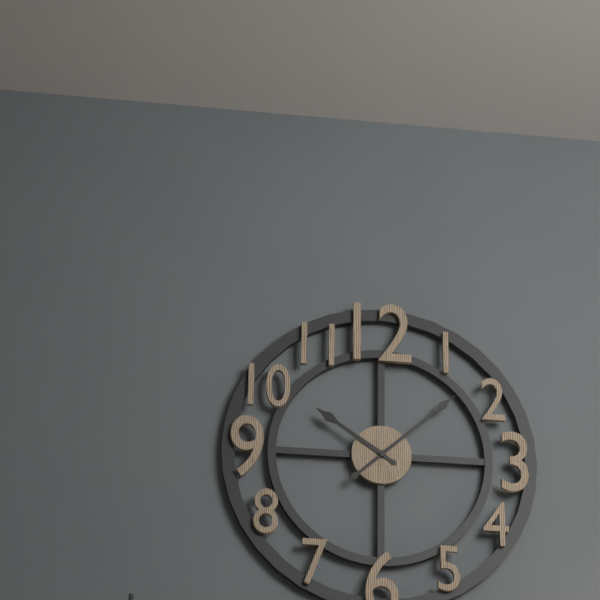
10:08
